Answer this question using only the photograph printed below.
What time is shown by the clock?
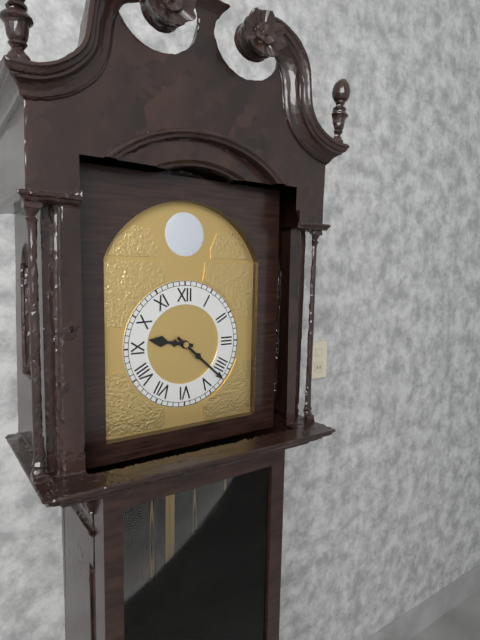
9:22
